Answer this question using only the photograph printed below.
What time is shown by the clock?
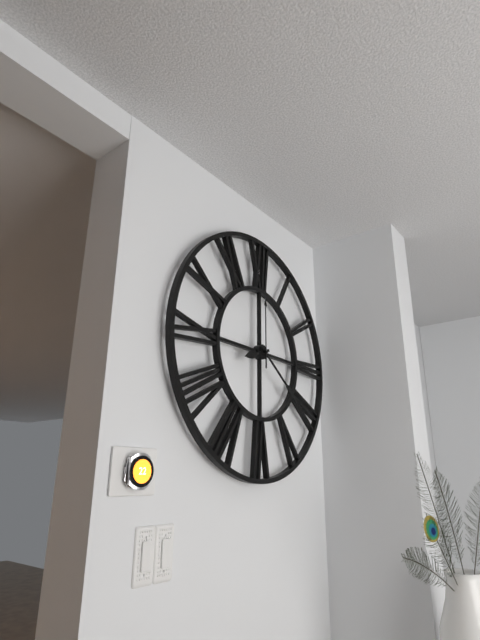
8:21:00
